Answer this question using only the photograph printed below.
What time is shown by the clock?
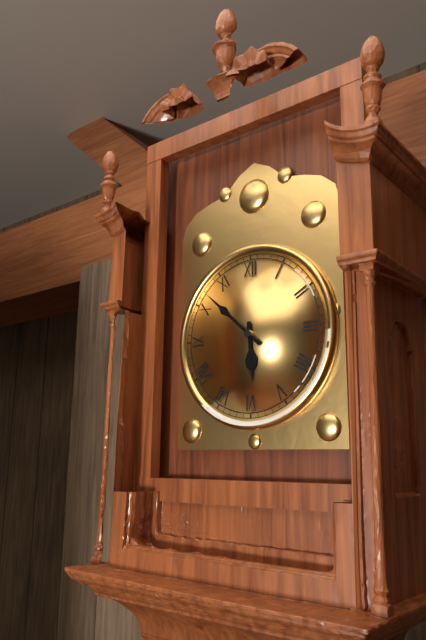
5:52
